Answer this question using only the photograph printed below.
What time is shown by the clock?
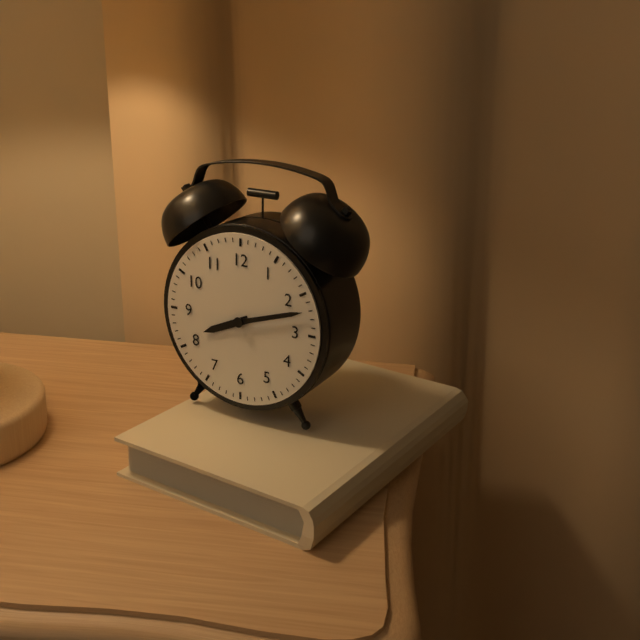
8:12
